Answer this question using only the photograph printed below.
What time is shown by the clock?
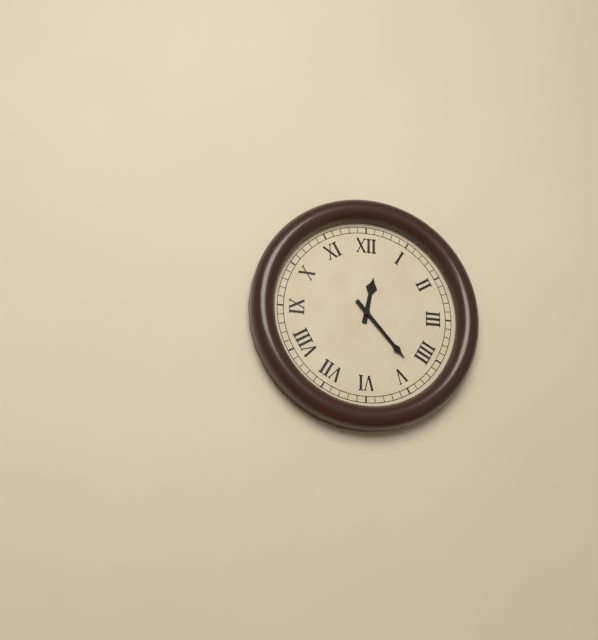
12:23
